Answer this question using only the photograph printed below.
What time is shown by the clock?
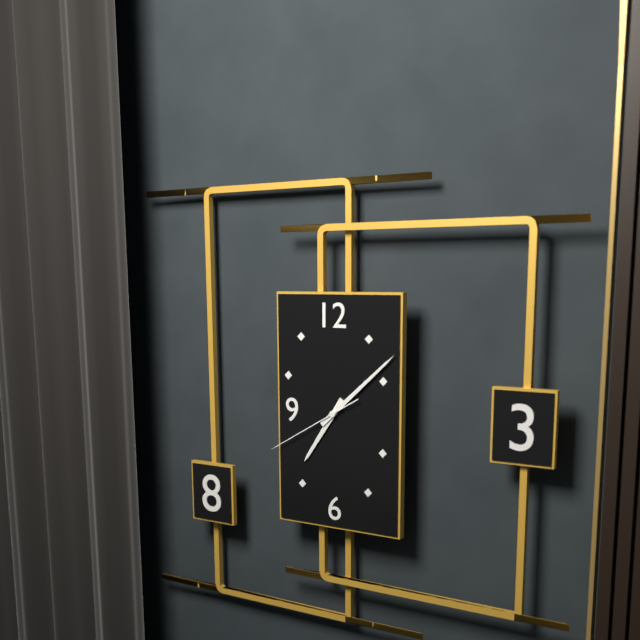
7:08:40
